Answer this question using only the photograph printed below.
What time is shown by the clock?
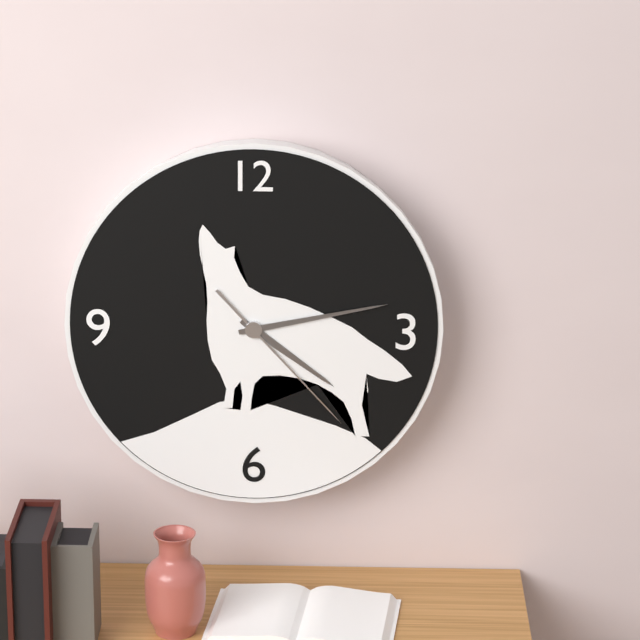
4:13:23
